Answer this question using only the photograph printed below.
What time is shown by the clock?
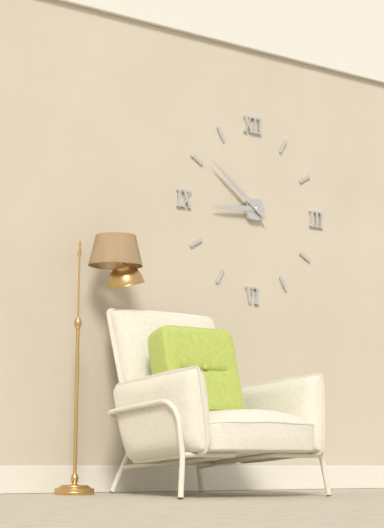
8:51
